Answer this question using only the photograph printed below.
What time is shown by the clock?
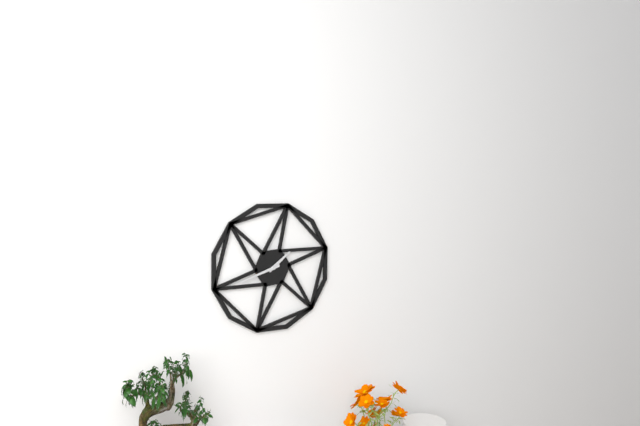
1:42
